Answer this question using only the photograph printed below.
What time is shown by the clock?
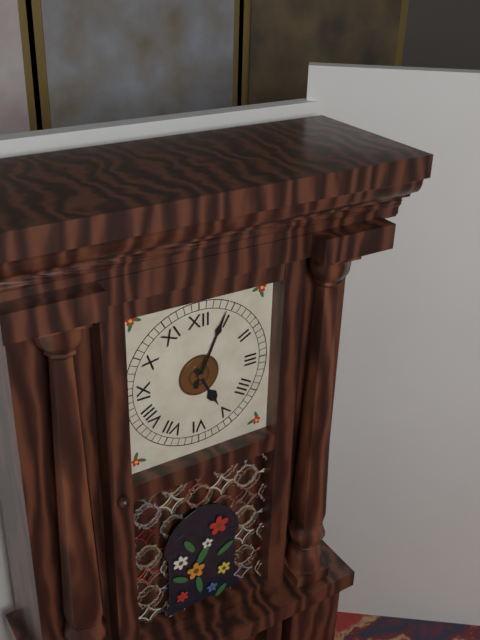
5:04
